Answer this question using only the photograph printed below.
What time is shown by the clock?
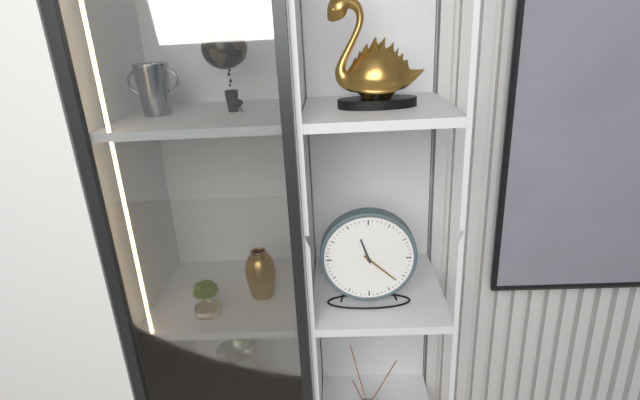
11:22
